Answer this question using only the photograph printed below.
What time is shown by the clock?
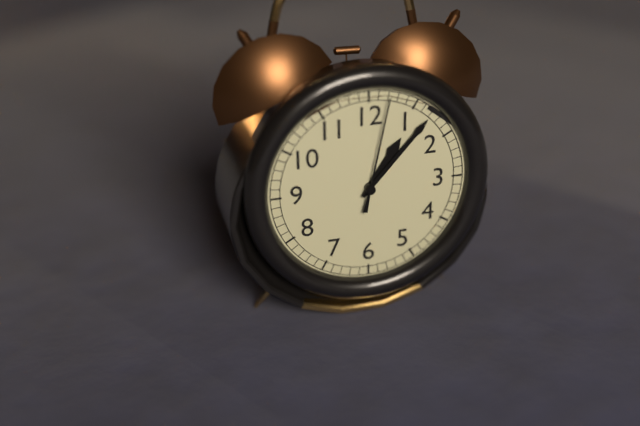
1:07:02
